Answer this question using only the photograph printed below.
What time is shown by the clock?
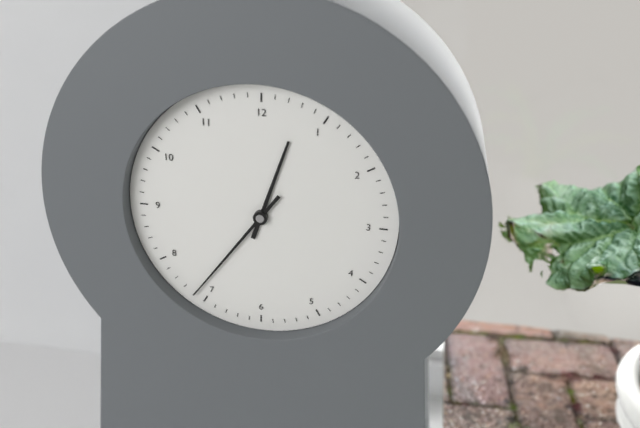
12:36
